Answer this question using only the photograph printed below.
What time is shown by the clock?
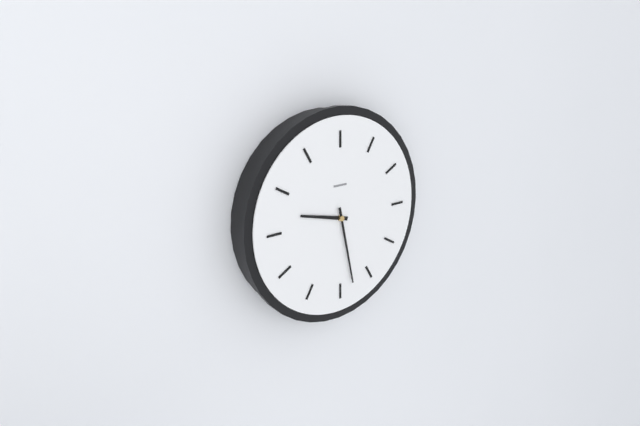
9:28
